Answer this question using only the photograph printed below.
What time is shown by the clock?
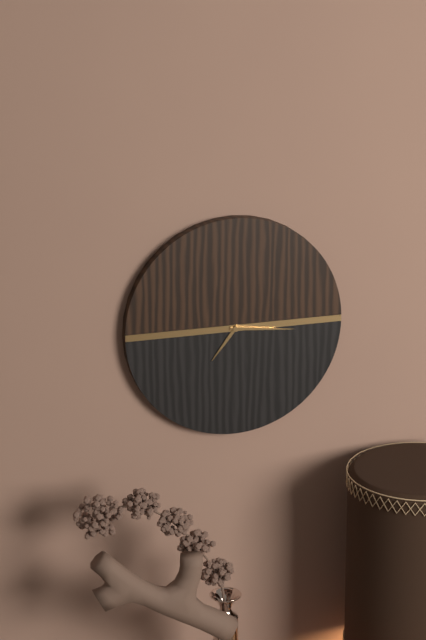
7:16
